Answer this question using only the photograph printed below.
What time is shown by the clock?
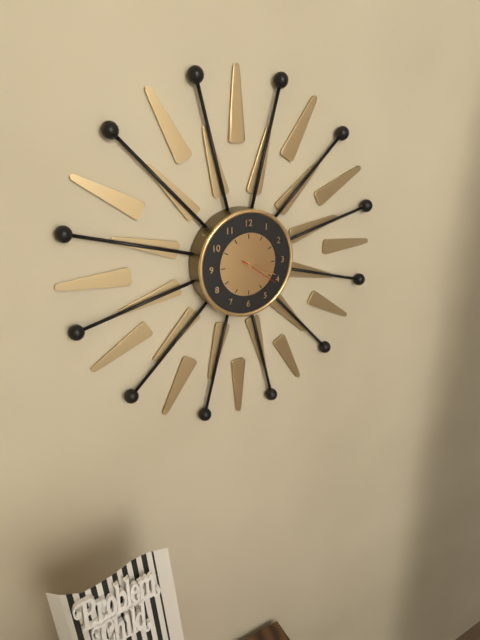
3:19
